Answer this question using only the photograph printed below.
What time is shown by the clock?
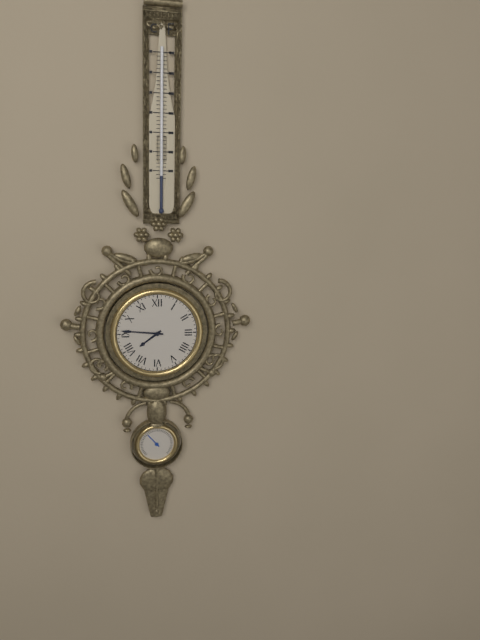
7:46
